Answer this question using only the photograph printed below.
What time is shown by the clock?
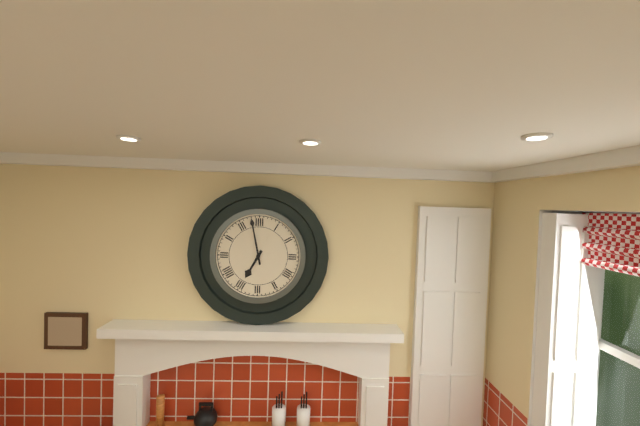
6:58
